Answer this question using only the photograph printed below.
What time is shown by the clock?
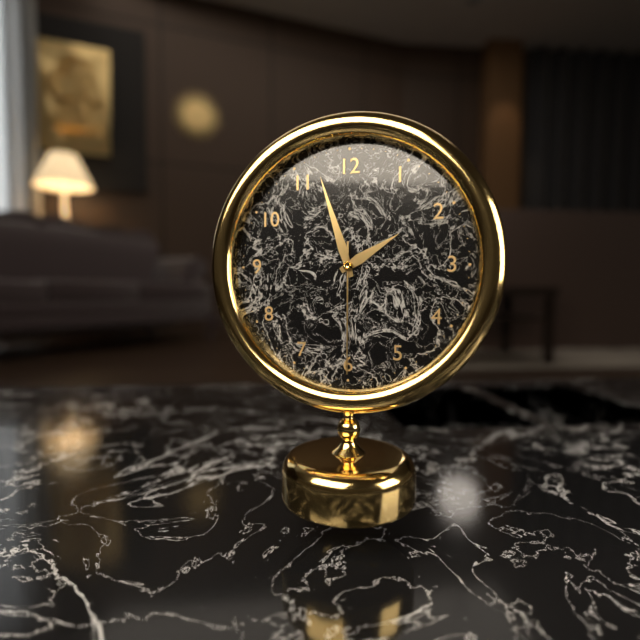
1:57:30
